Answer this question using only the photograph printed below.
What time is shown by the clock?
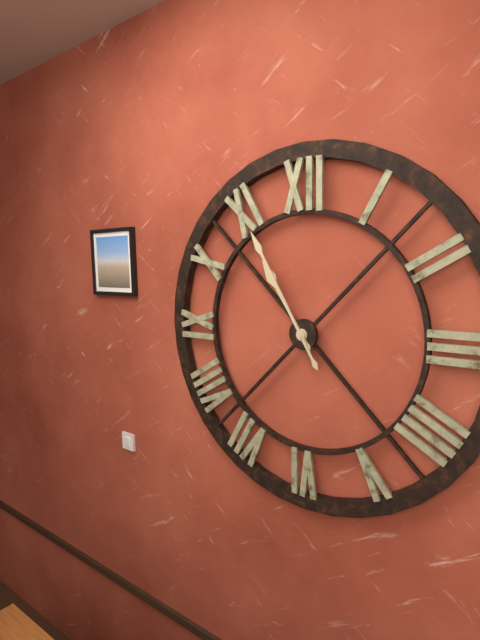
10:55
